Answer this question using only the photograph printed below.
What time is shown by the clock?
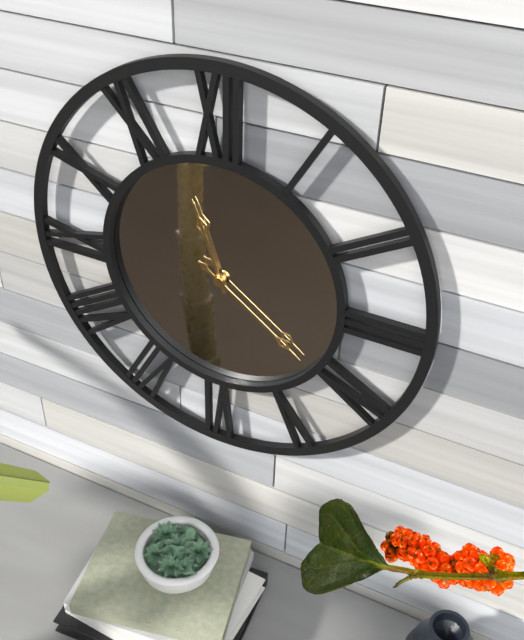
11:21
